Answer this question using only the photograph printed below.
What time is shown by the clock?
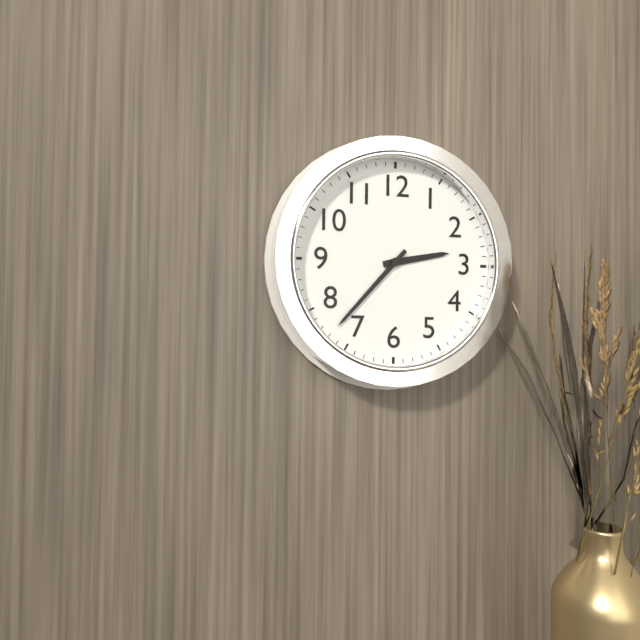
2:37
